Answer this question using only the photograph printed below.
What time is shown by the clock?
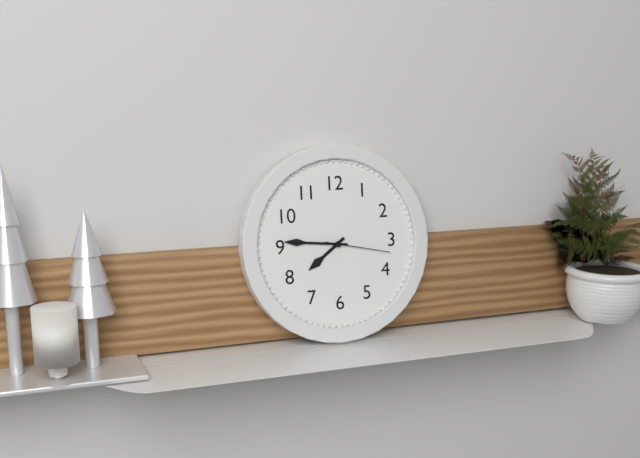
7:46:17
